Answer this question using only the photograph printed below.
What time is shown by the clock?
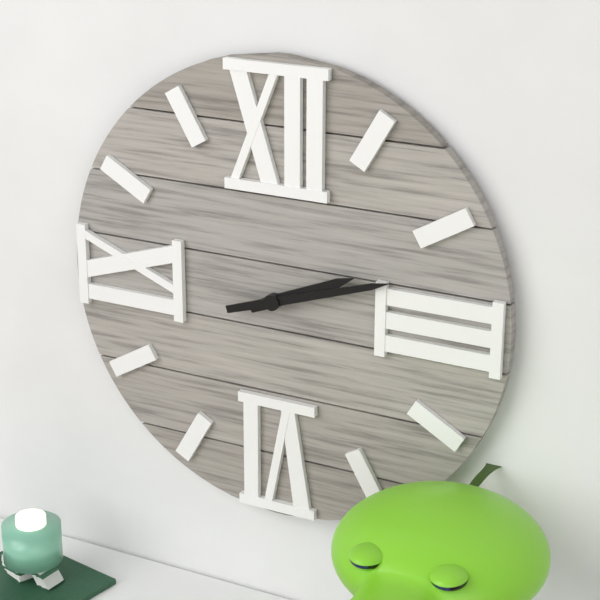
2:12
